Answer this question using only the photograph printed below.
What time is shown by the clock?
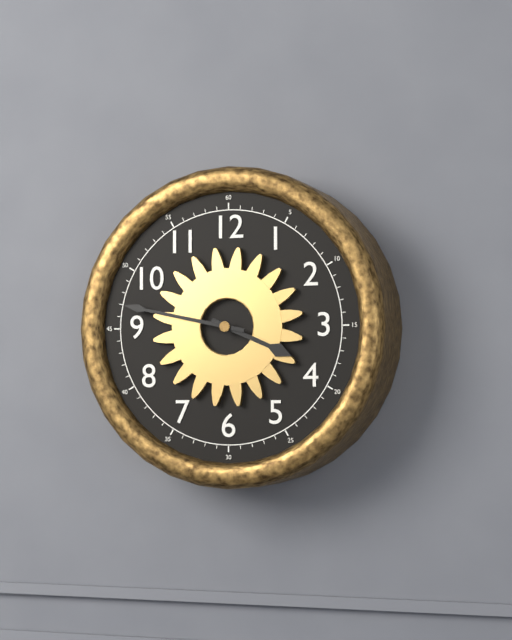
3:47
